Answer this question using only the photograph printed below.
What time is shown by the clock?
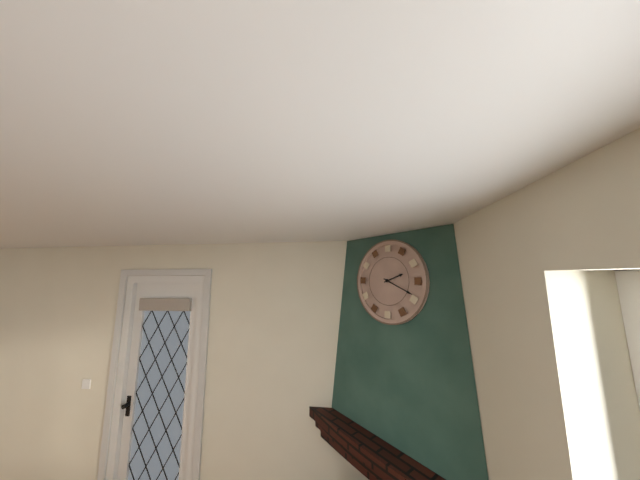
2:19
